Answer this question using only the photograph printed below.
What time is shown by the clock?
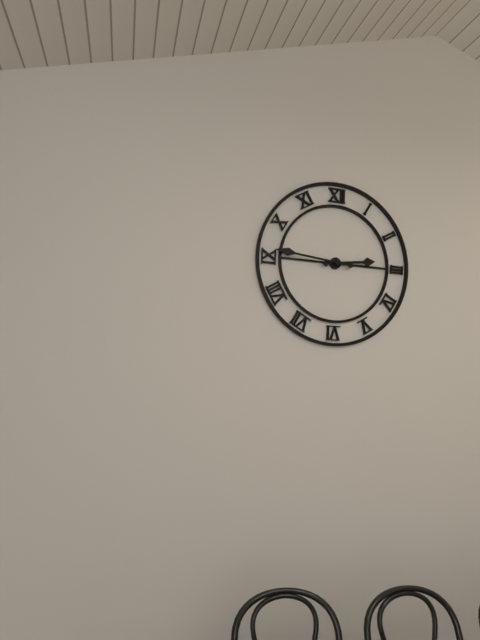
2:46
